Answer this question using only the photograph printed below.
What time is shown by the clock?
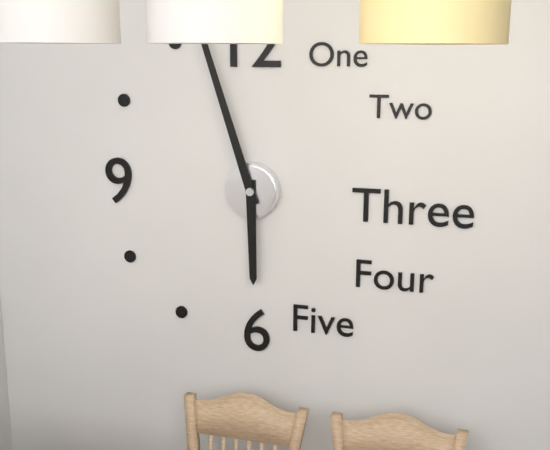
5:57
